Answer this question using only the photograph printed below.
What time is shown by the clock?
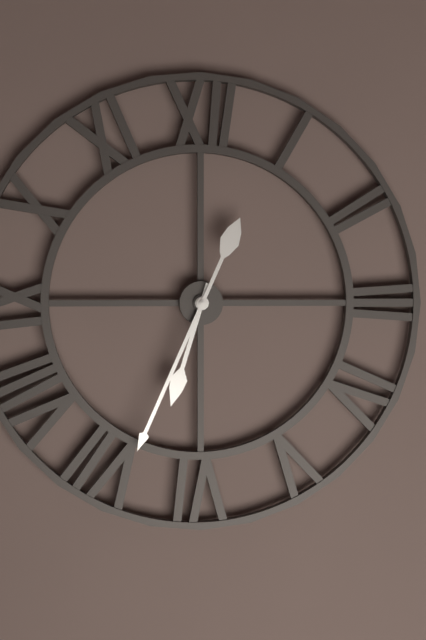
6:34
